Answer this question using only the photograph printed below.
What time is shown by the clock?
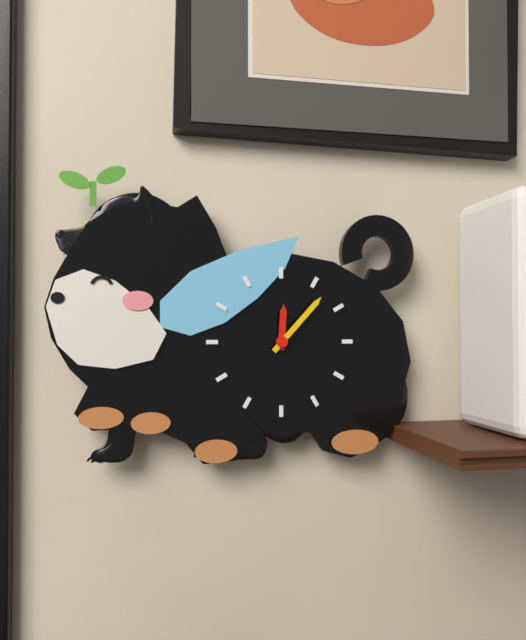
12:07
